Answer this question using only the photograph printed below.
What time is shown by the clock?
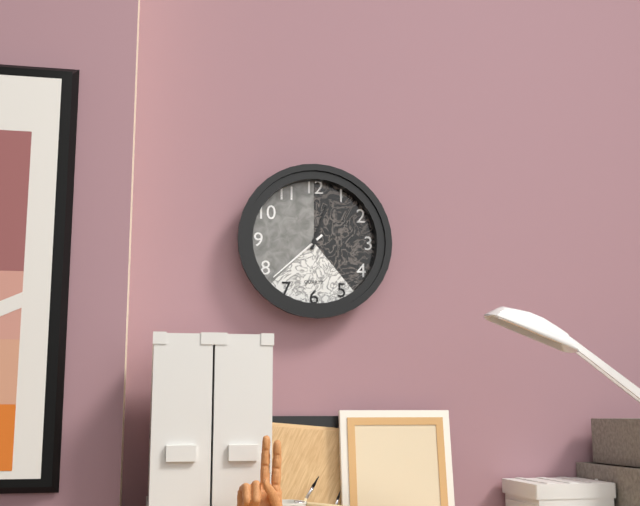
12:38
